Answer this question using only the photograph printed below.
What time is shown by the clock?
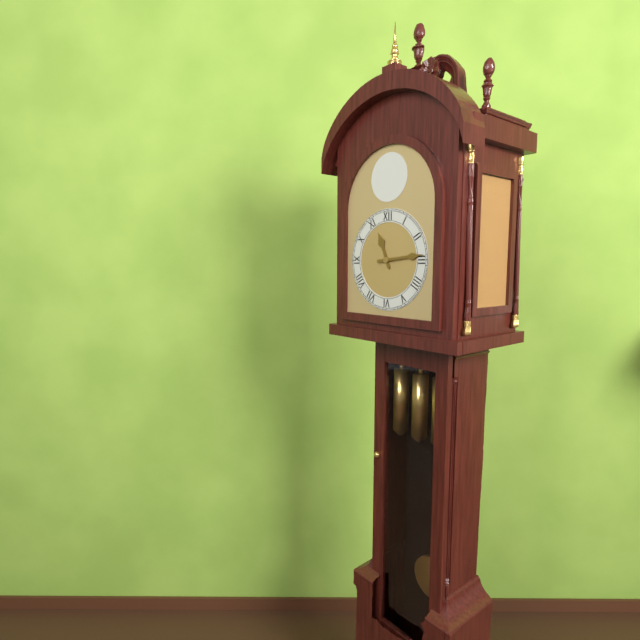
11:14
